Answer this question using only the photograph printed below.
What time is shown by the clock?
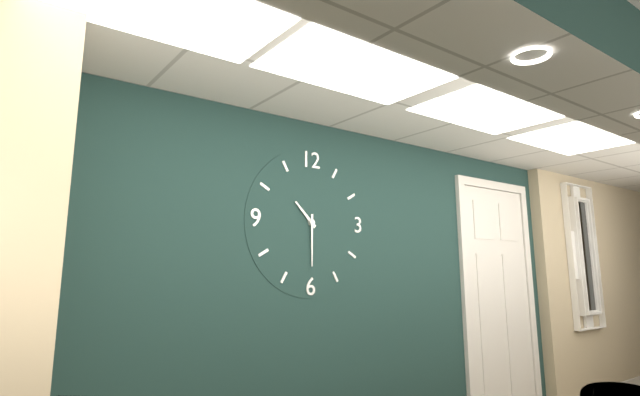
10:30
